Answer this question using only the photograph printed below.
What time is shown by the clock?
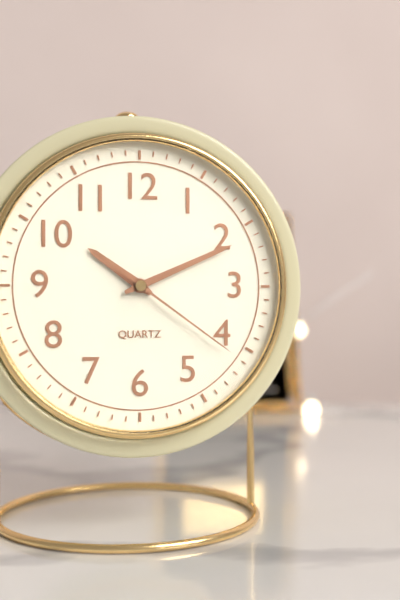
10:11:21
